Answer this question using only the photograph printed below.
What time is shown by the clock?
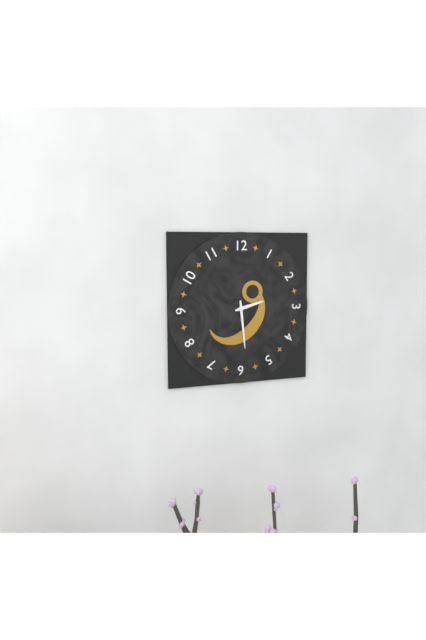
2:29
